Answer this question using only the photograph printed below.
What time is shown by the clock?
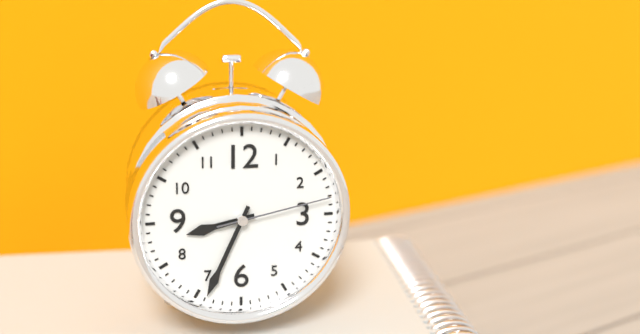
8:34:13
